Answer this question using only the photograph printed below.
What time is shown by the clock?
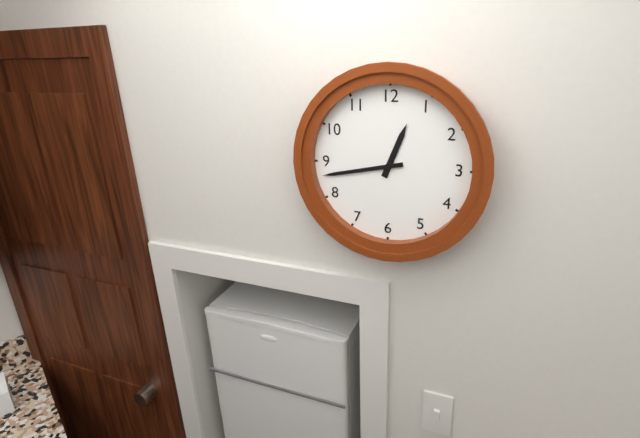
12:43
